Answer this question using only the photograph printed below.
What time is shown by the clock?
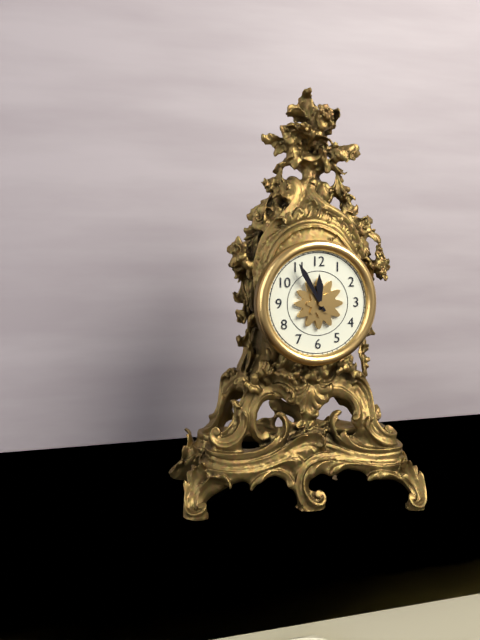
11:55
